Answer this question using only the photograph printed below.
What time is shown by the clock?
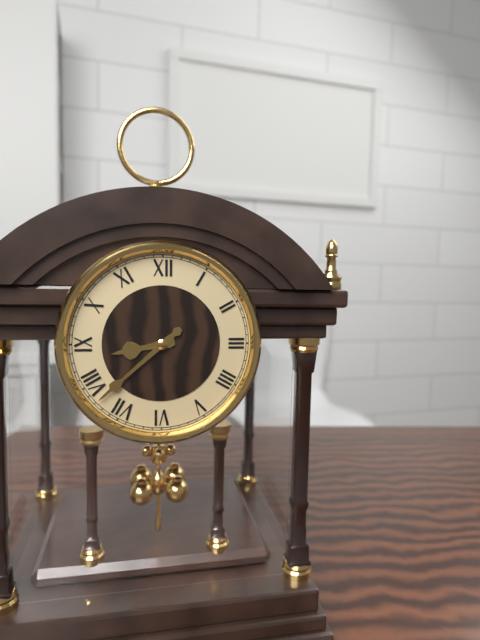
8:38
